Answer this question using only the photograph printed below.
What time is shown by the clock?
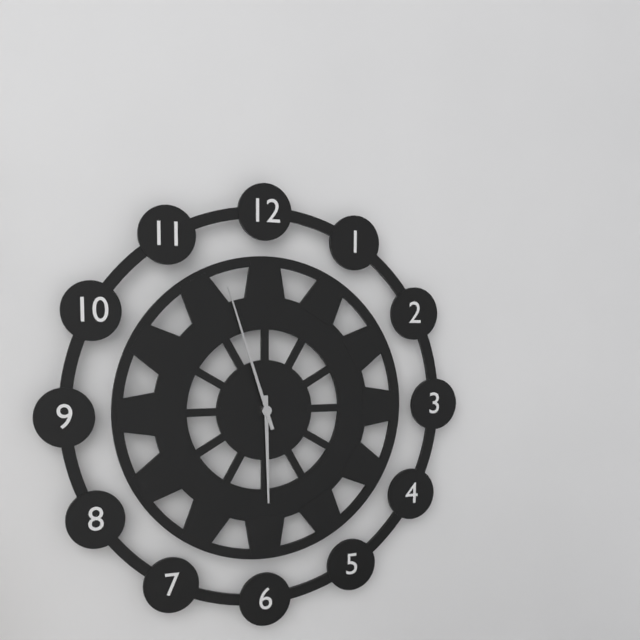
5:57
